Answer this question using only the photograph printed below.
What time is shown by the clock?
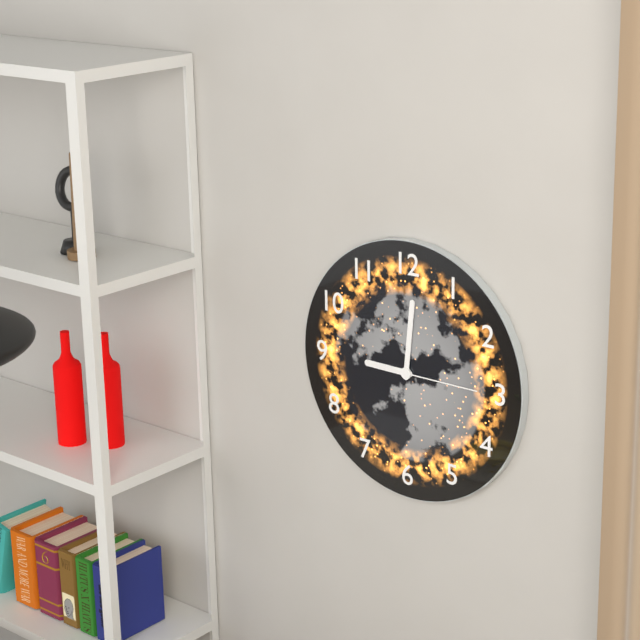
9:01:15
